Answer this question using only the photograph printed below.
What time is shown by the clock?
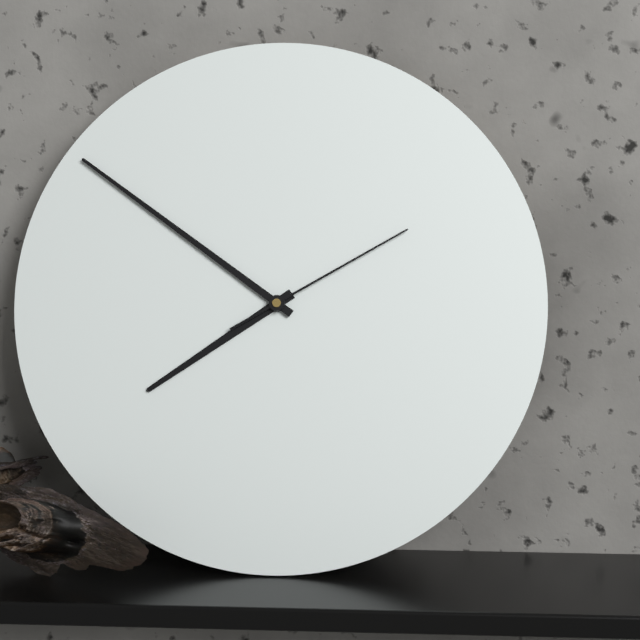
7:51:10
